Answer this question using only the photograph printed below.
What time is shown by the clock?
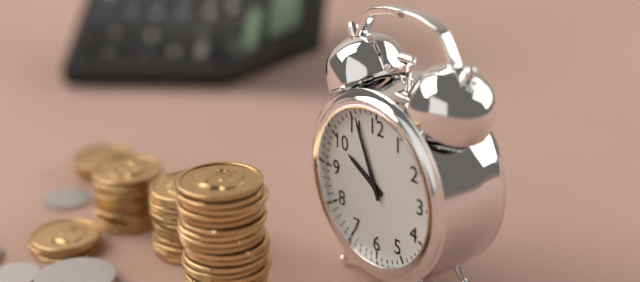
9:56
